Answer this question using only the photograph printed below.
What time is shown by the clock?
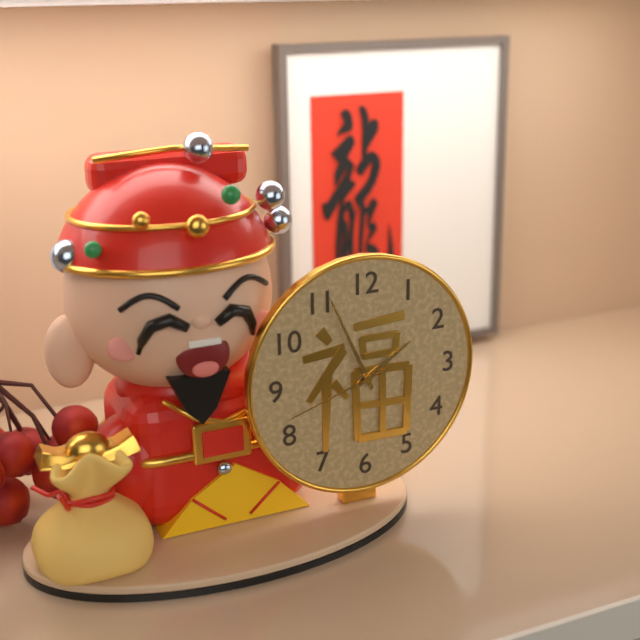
1:56:42
